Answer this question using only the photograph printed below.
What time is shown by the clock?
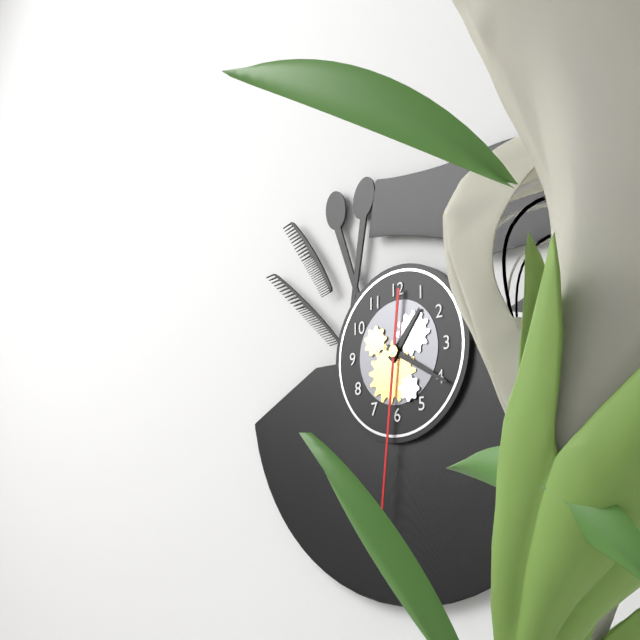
1:20:31
